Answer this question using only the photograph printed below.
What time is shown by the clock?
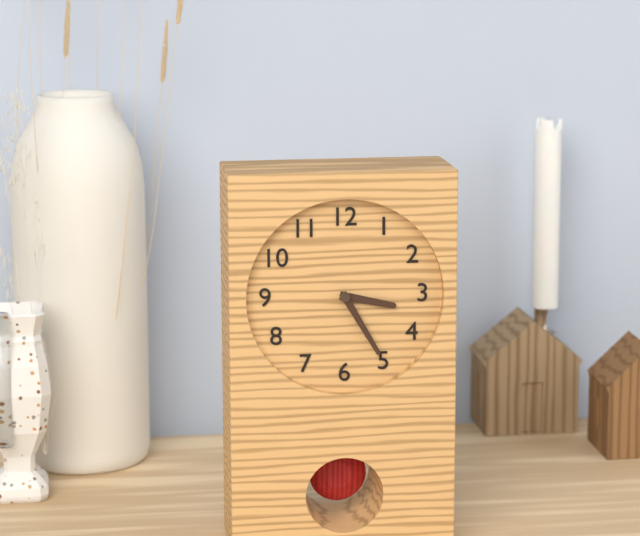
3:25
